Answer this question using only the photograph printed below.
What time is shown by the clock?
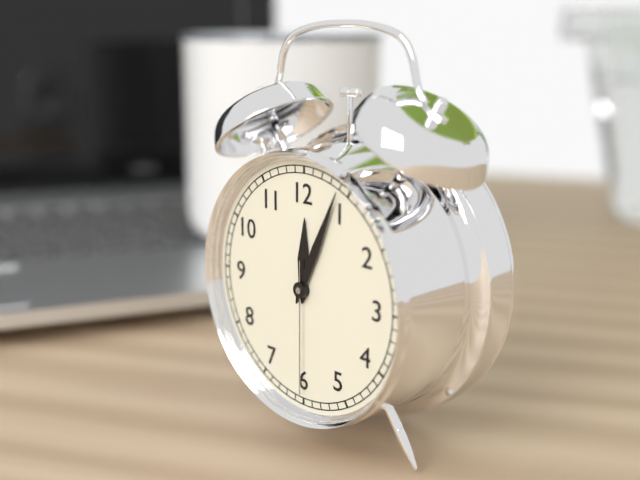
12:04:30
